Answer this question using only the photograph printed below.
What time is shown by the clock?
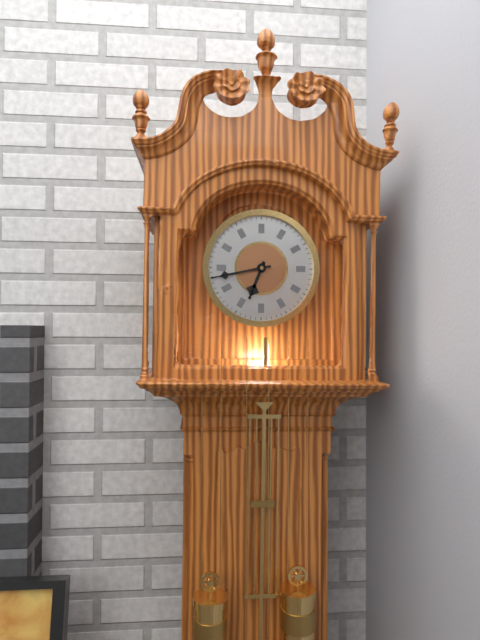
6:43
